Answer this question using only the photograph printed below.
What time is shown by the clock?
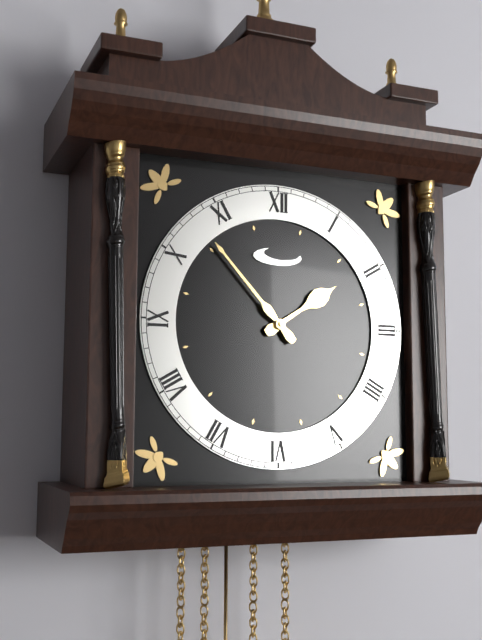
1:53
